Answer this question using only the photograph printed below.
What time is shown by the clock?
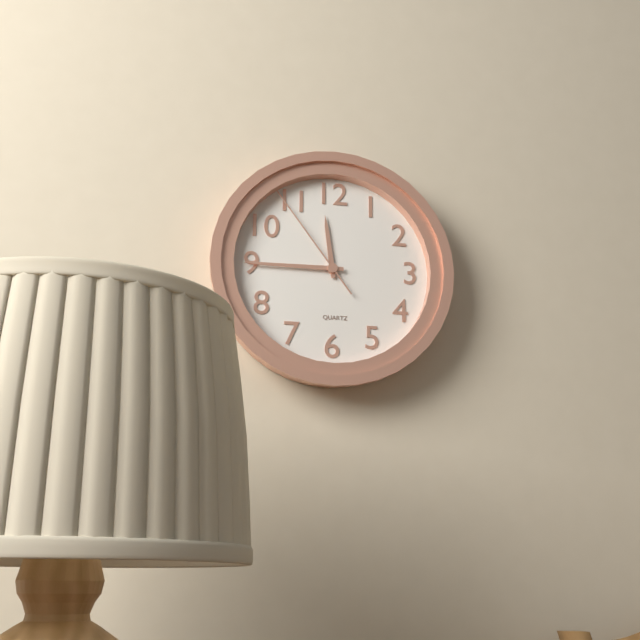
11:45:54
